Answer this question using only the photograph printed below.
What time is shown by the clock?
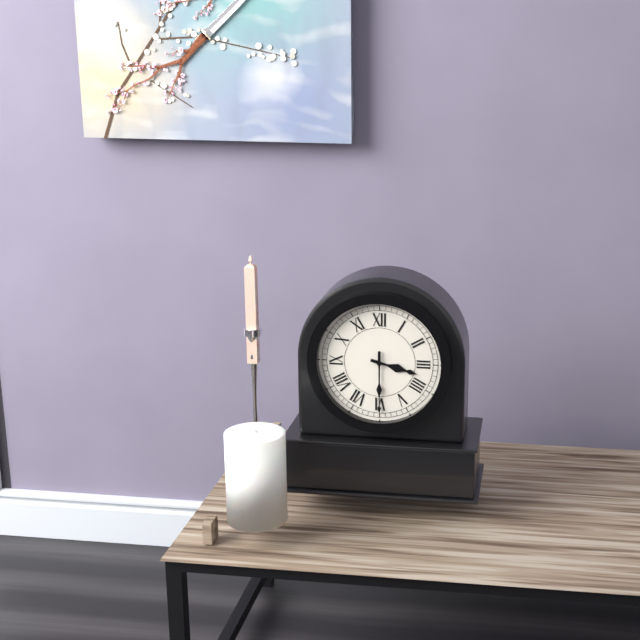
3:30
